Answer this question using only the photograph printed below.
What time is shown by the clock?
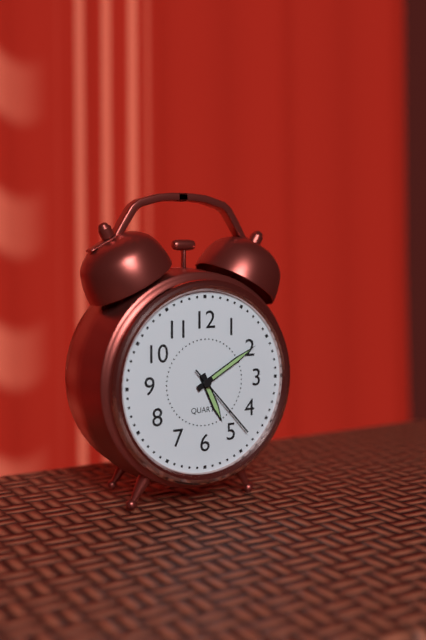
5:10:23
